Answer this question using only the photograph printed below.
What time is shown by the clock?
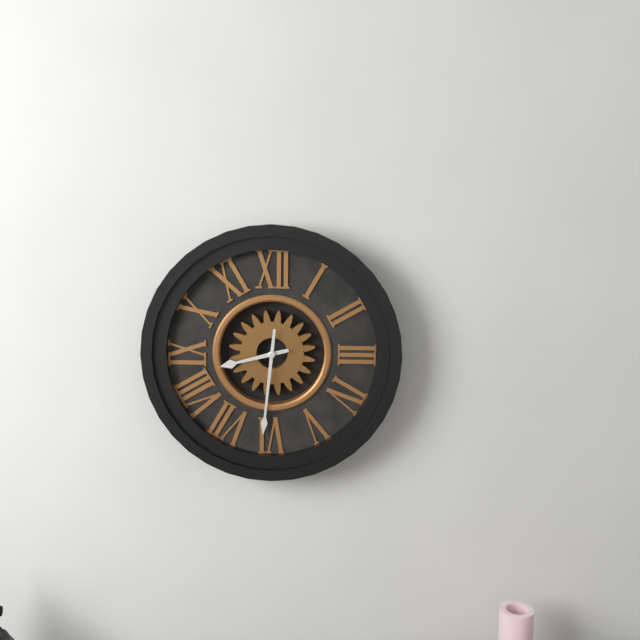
8:31
